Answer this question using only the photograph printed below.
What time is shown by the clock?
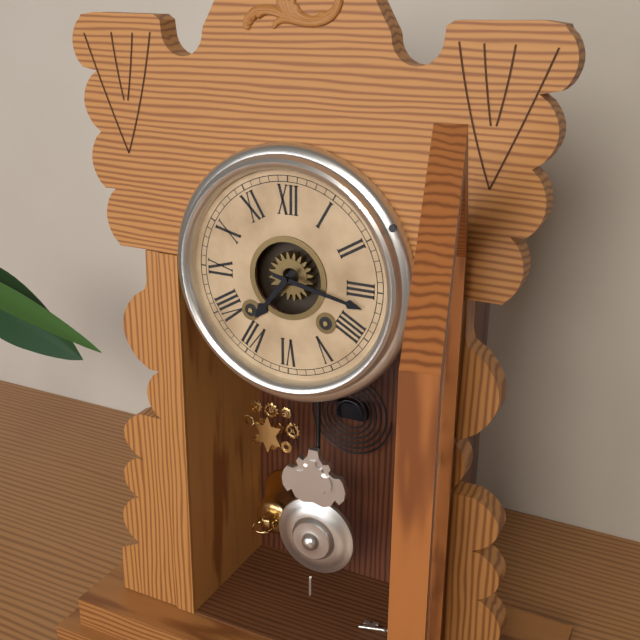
7:17
